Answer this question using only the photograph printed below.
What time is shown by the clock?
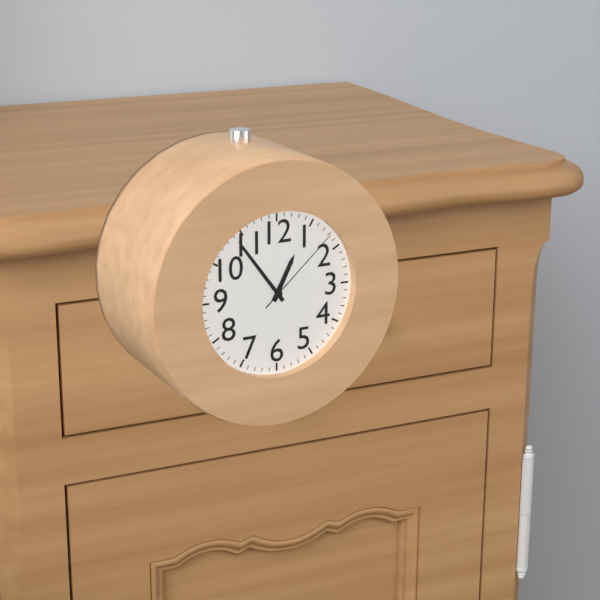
12:54:08
